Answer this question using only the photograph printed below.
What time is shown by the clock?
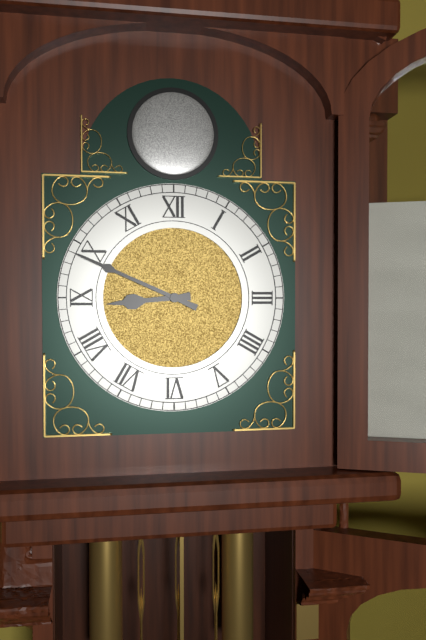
8:49
